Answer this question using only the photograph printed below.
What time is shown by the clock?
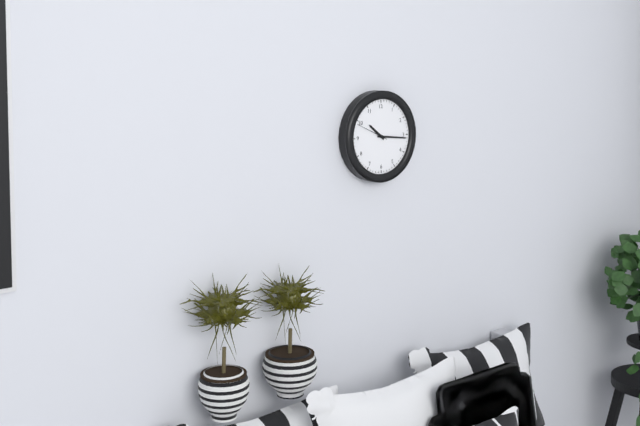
10:16
